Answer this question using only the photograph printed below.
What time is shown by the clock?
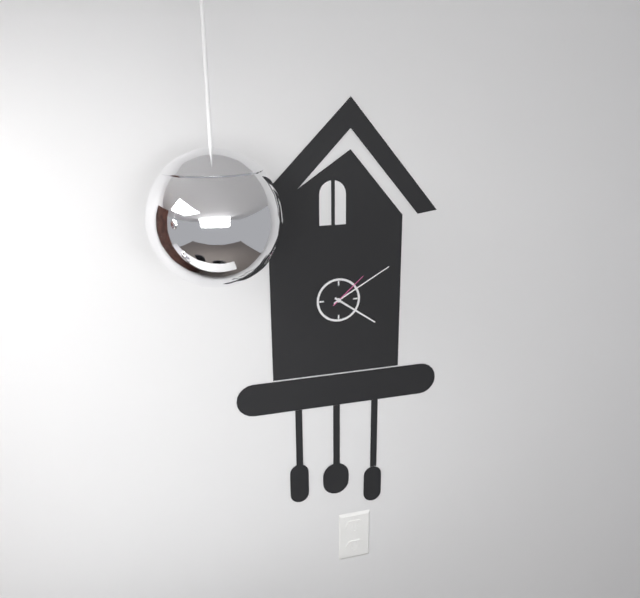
4:10
